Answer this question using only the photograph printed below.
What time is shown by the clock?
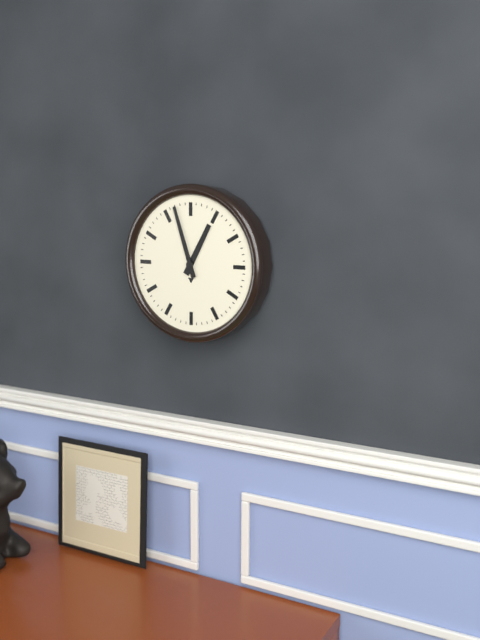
12:57
